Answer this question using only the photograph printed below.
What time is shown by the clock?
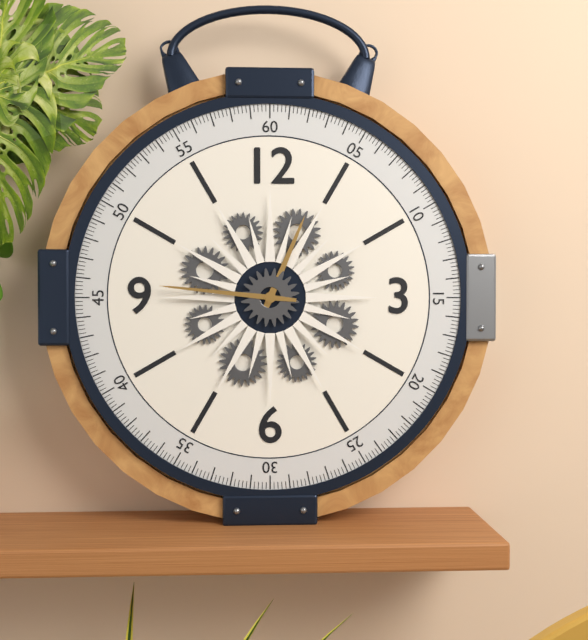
12:46
